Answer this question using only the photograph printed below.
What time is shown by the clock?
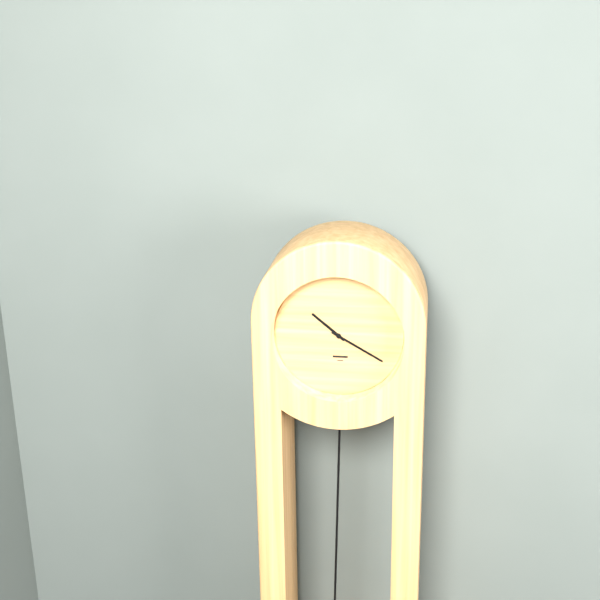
10:20
